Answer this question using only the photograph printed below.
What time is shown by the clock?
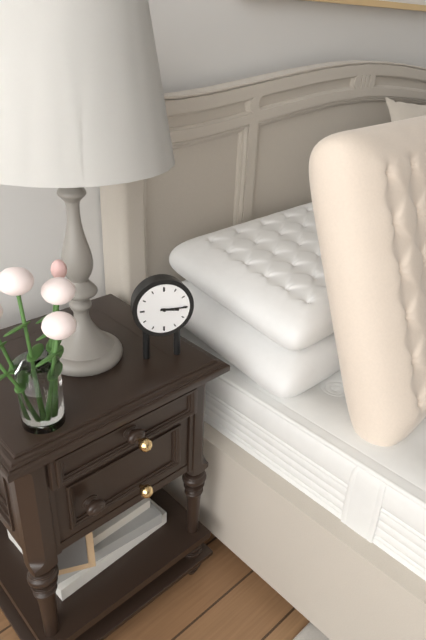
3:15
